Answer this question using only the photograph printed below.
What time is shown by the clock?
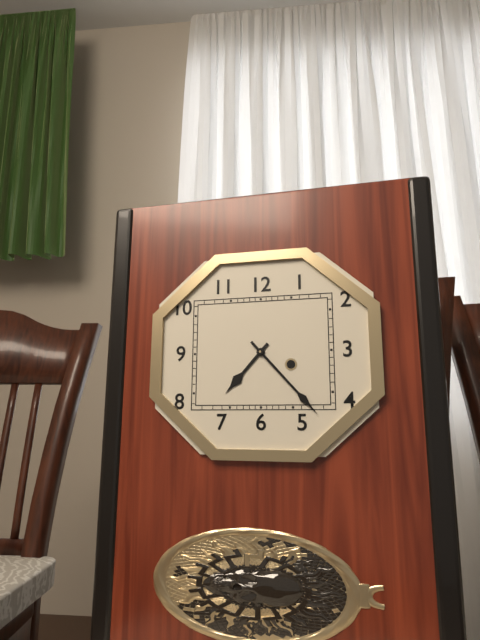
7:23
